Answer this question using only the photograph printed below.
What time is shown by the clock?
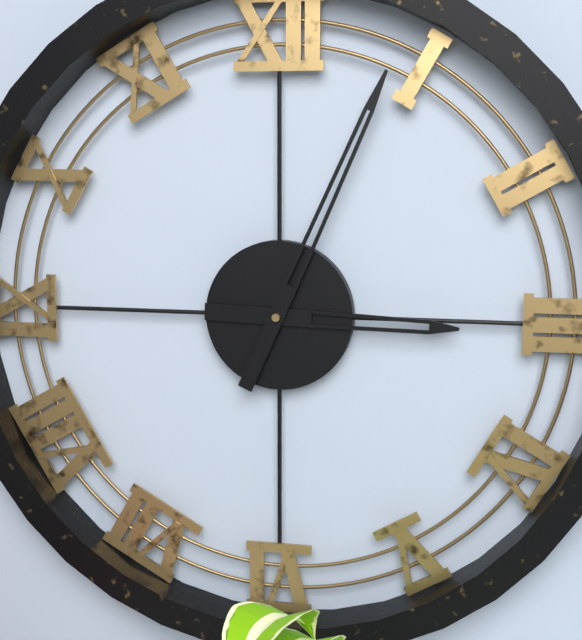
3:04
